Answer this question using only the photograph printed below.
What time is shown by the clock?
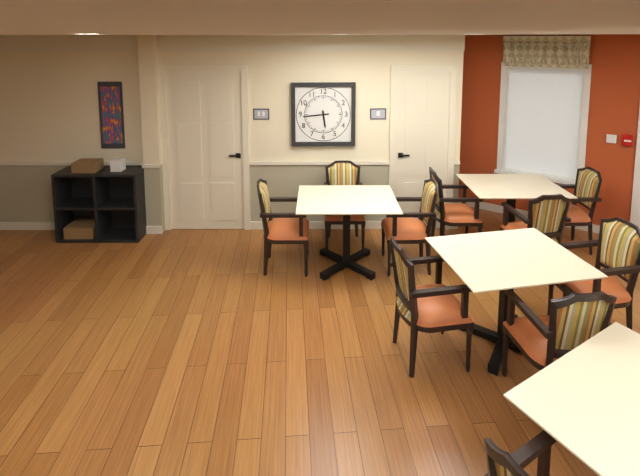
5:44
